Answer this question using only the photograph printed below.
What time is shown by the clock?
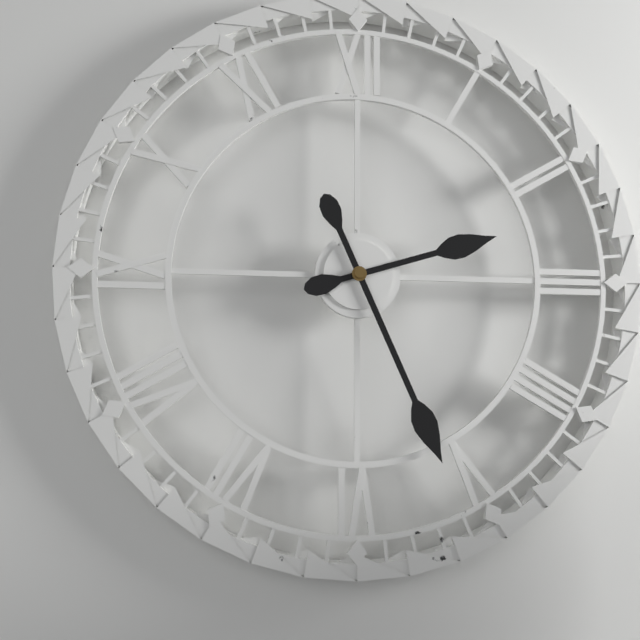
2:26
